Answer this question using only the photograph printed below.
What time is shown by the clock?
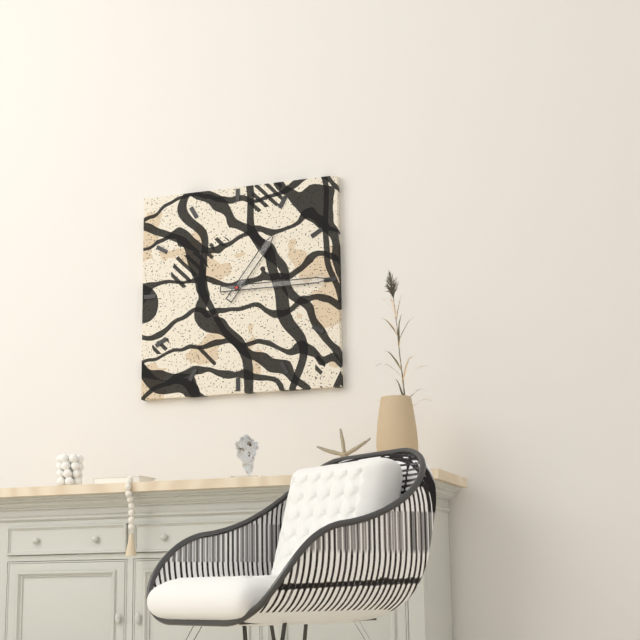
1:15
